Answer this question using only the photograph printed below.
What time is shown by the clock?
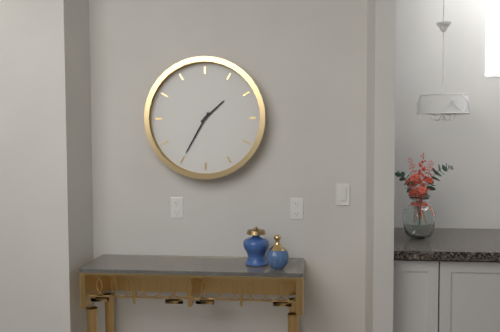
1:35
